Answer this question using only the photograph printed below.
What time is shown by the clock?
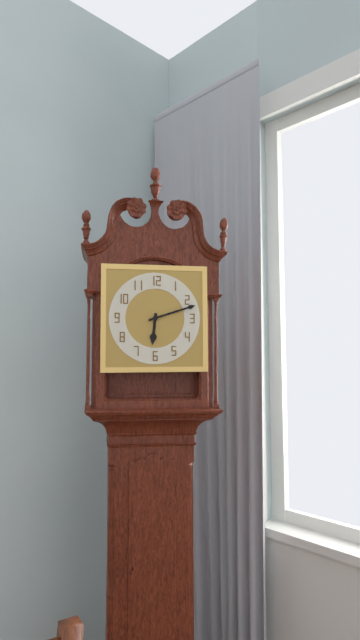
6:12
